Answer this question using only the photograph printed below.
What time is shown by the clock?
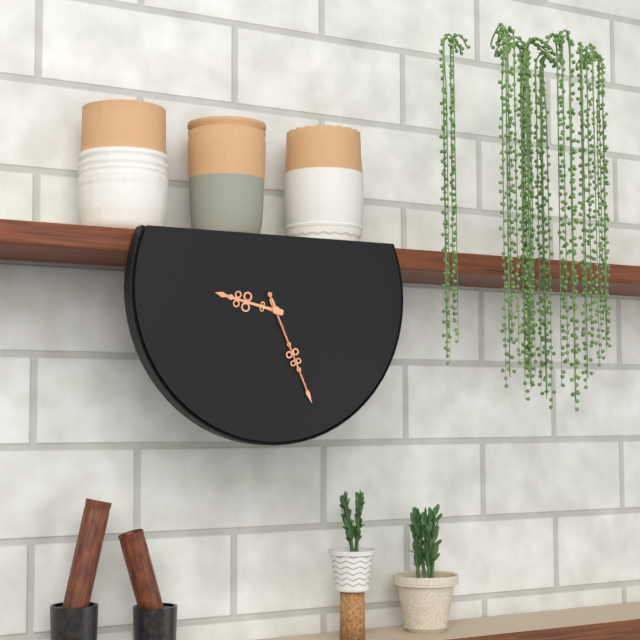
9:26:26
